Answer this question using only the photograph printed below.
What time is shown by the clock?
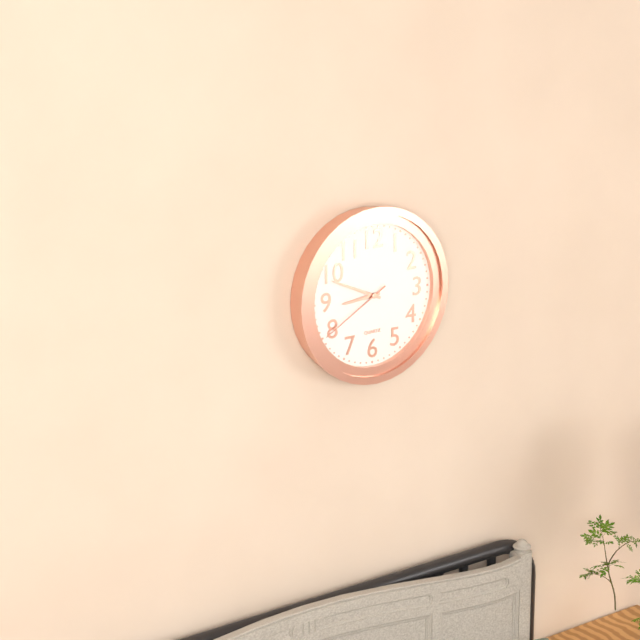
8:49:40
